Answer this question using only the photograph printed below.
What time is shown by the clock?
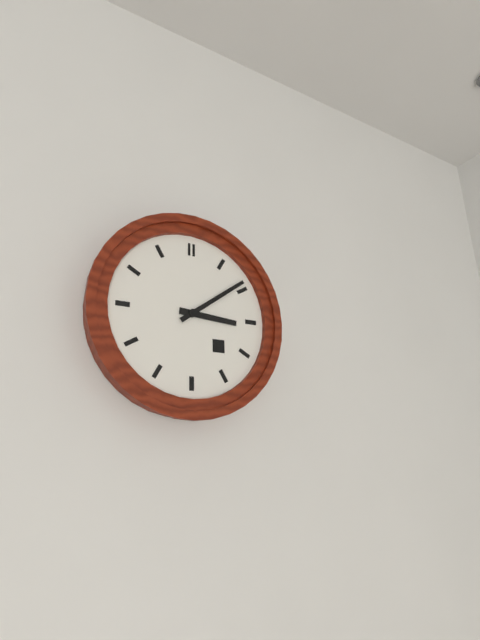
3:09
